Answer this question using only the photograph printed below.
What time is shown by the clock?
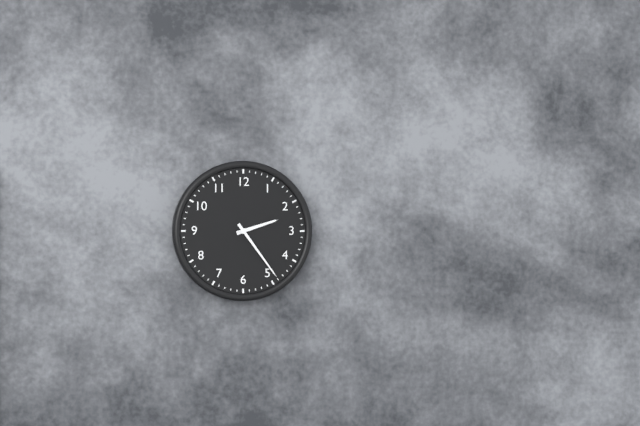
2:24
